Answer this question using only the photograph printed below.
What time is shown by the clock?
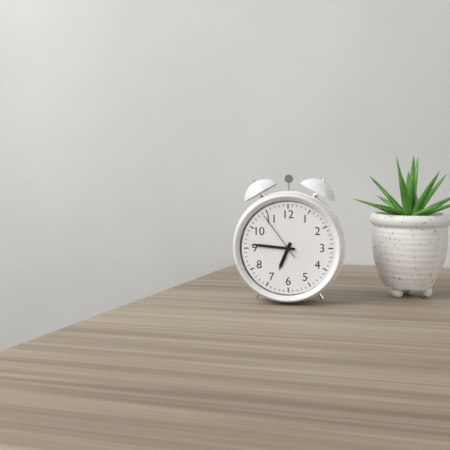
6:46:54
